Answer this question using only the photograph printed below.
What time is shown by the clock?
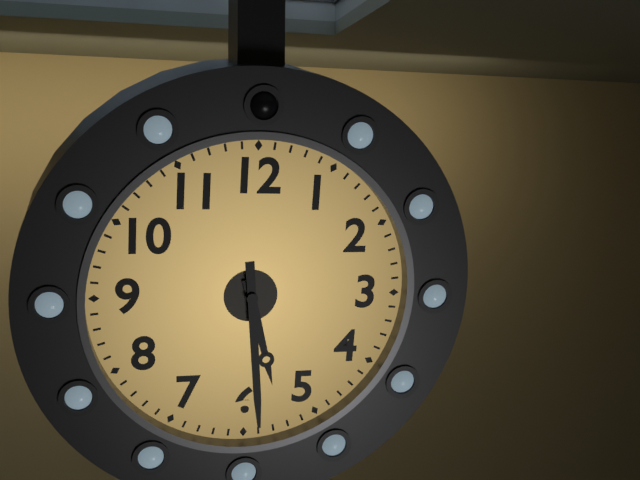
5:29
